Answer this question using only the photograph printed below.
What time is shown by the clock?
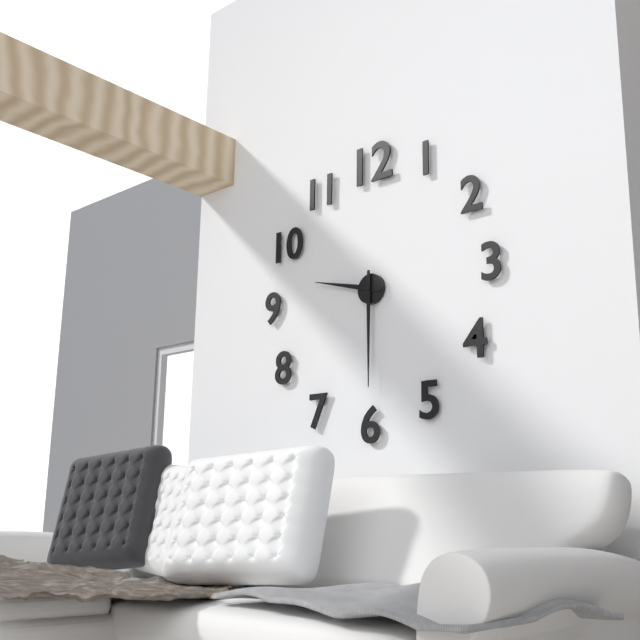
9:30
